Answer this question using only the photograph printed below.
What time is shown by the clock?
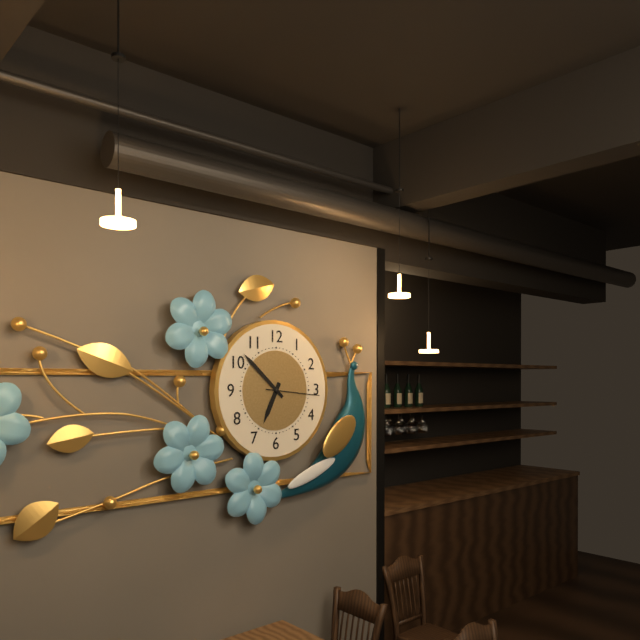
6:52:16
